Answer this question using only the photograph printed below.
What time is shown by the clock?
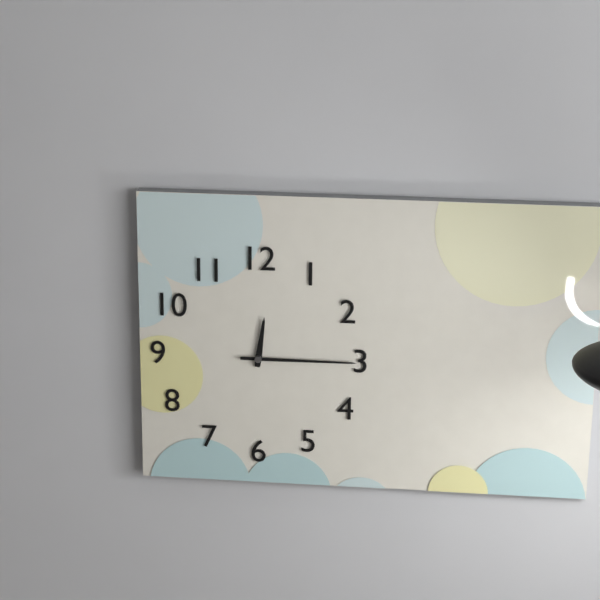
12:15
